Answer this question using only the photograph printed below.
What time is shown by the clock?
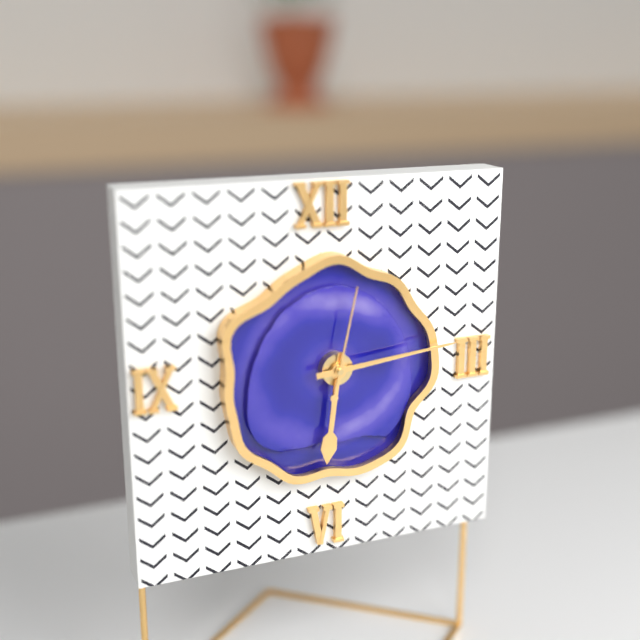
6:14:02
